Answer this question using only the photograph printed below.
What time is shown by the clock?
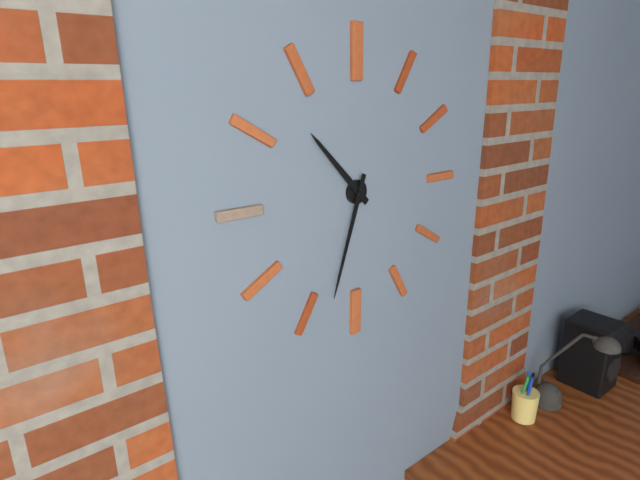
10:33
